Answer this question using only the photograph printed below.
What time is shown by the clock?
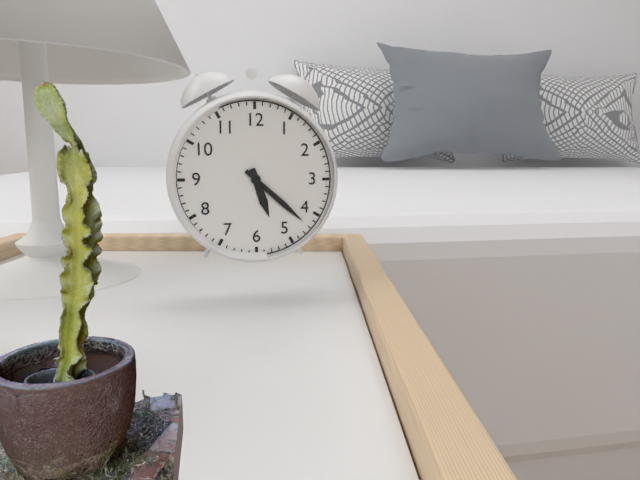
5:22
